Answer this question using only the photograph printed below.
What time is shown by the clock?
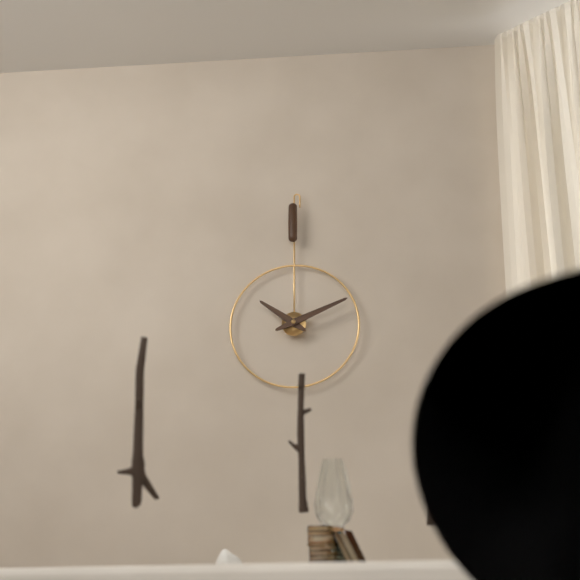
10:11
